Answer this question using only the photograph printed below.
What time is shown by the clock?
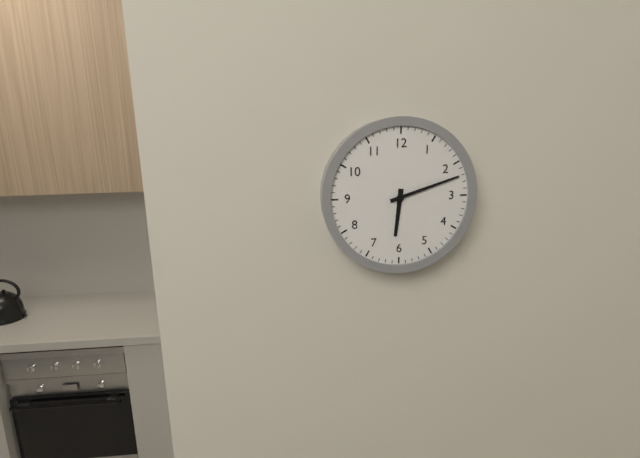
6:12
